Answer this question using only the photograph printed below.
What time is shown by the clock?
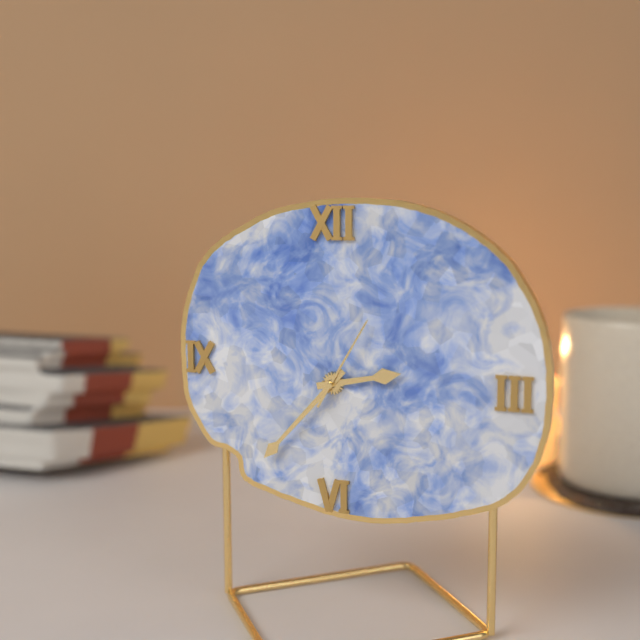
2:37:05
